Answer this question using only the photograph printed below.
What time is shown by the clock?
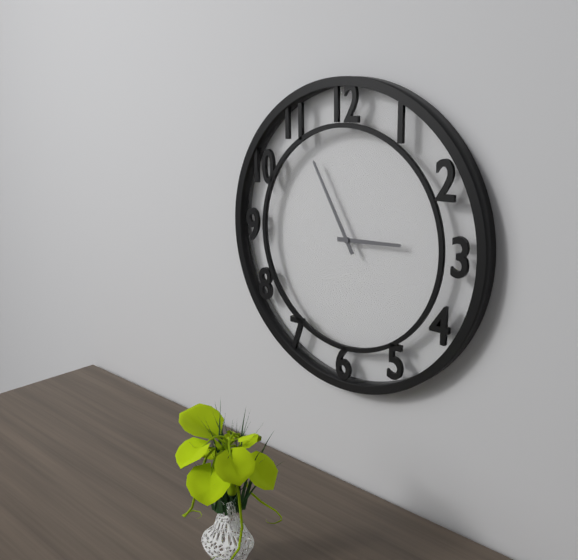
2:55
